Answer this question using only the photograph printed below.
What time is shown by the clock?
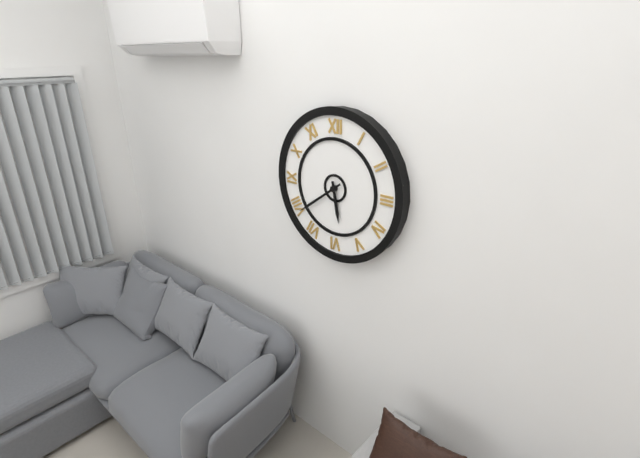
5:39
